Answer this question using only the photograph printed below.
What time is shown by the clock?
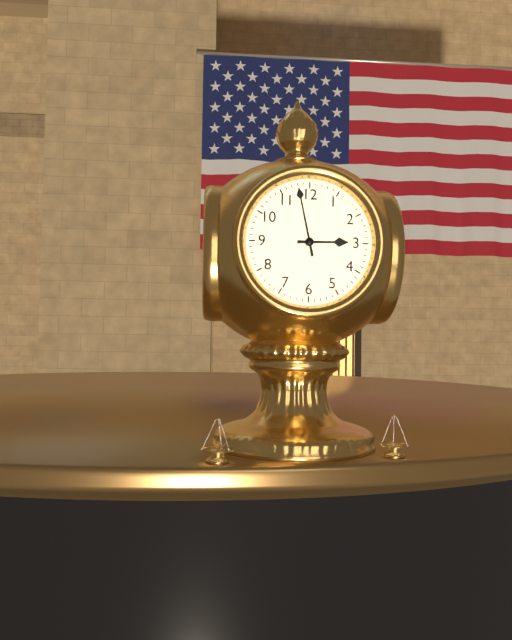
2:58
